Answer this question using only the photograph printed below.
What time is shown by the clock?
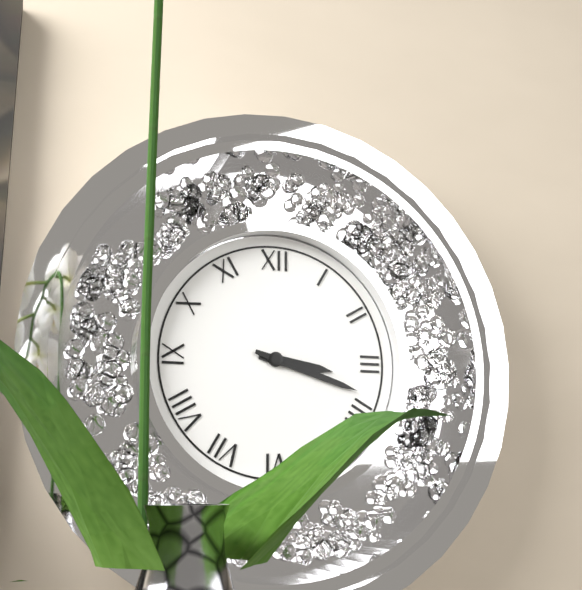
3:18
